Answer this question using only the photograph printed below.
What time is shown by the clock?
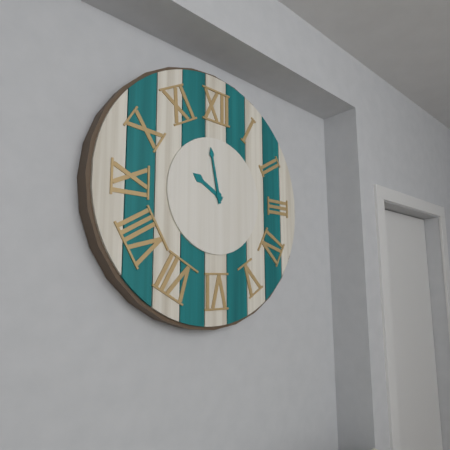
9:58
